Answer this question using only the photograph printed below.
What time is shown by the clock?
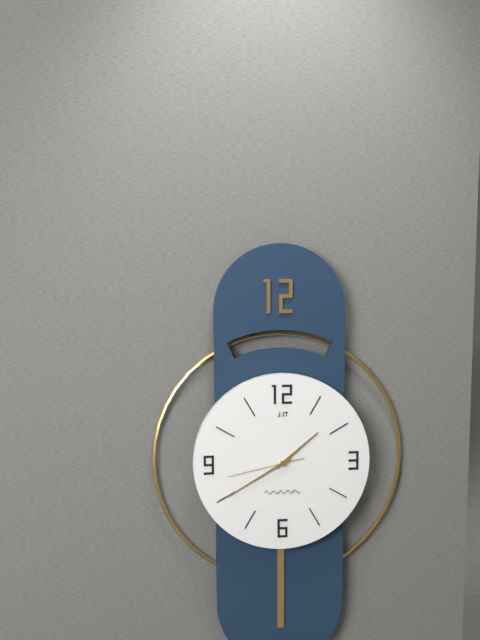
1:40:43
